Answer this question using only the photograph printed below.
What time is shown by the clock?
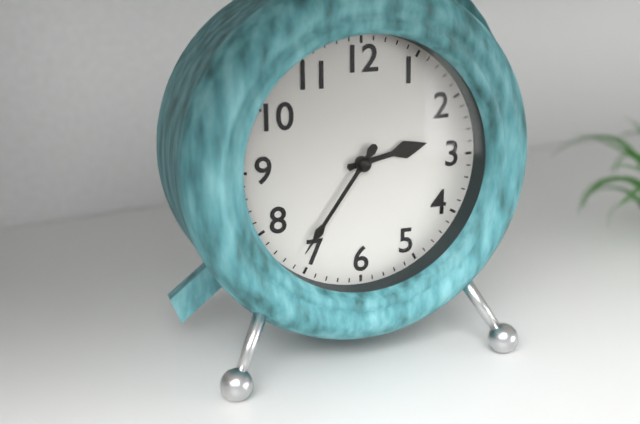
2:36
